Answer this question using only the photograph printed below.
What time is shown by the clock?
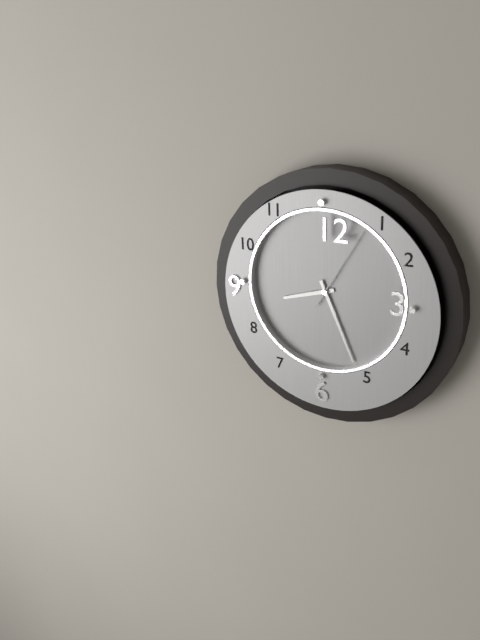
8:26:05
